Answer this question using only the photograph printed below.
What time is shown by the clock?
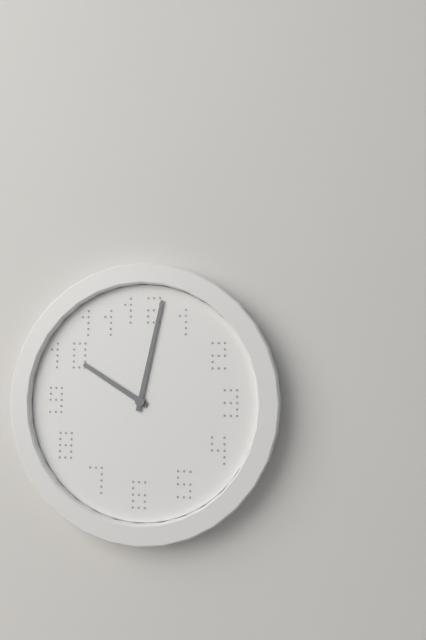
10:02
